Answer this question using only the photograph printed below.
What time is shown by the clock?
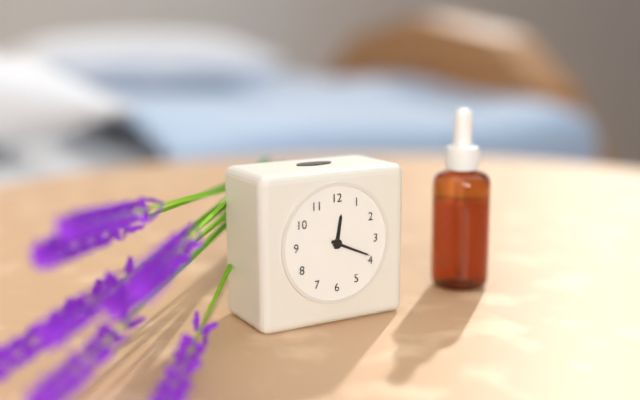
12:19
